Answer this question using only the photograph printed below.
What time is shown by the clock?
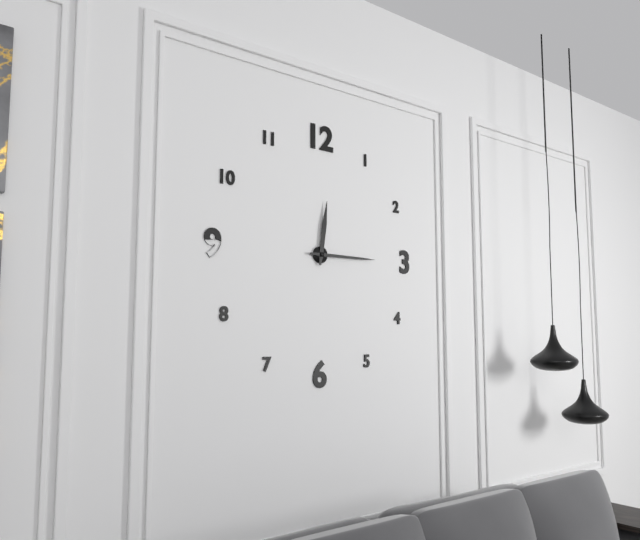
12:15
